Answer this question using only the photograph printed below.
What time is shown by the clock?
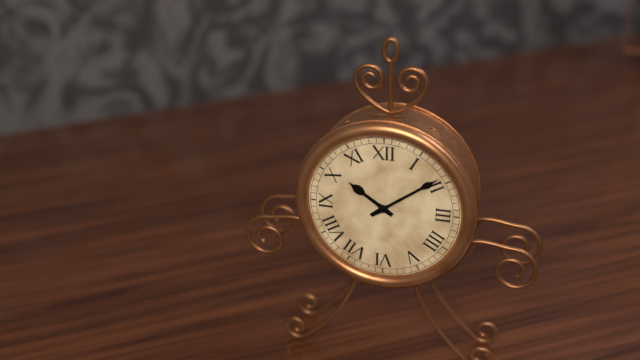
10:09
